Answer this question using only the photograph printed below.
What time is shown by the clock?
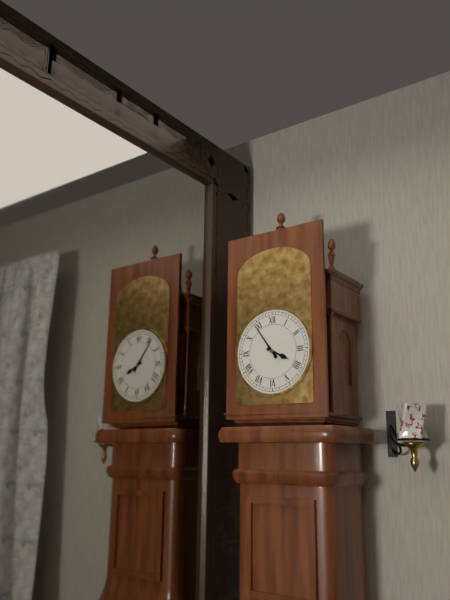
3:54
